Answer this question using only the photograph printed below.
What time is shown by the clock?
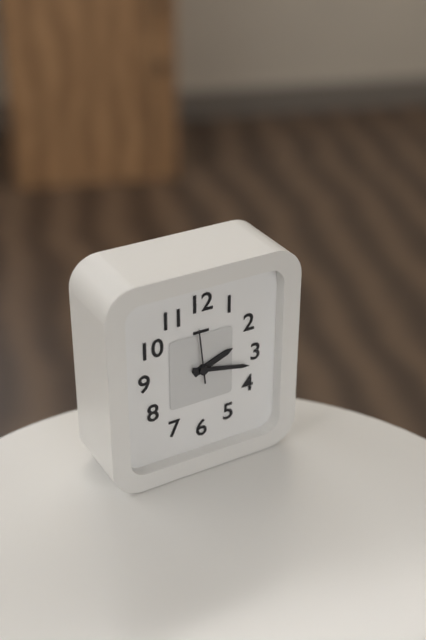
2:17:59
